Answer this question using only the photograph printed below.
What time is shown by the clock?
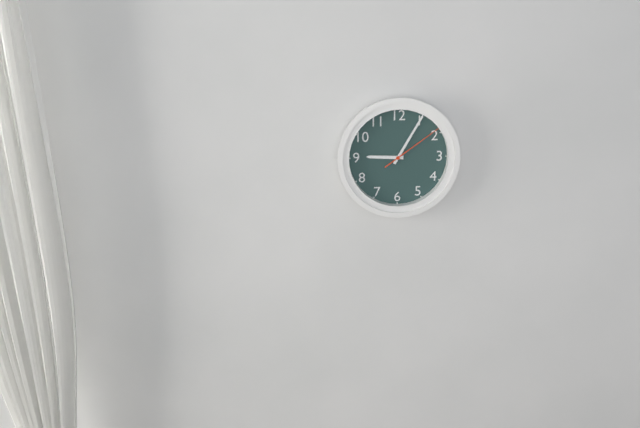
9:05:09
